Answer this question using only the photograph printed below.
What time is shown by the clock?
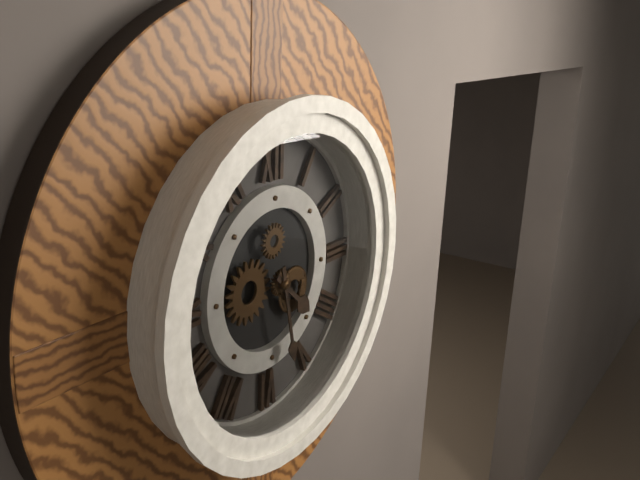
4:28
